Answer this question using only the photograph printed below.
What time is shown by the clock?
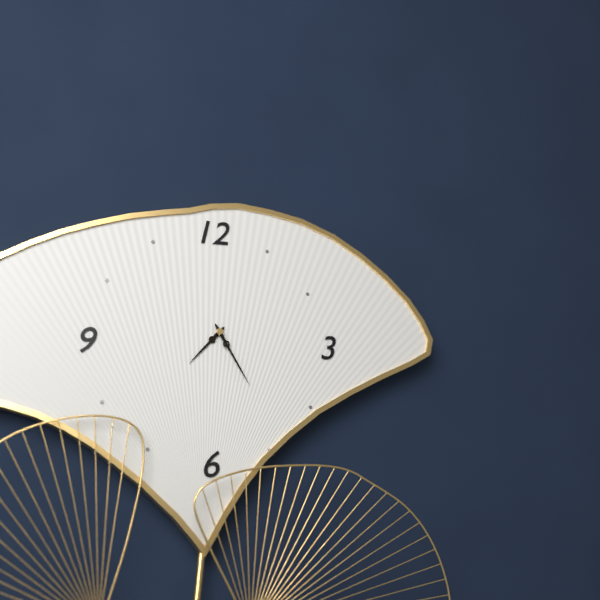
7:25
